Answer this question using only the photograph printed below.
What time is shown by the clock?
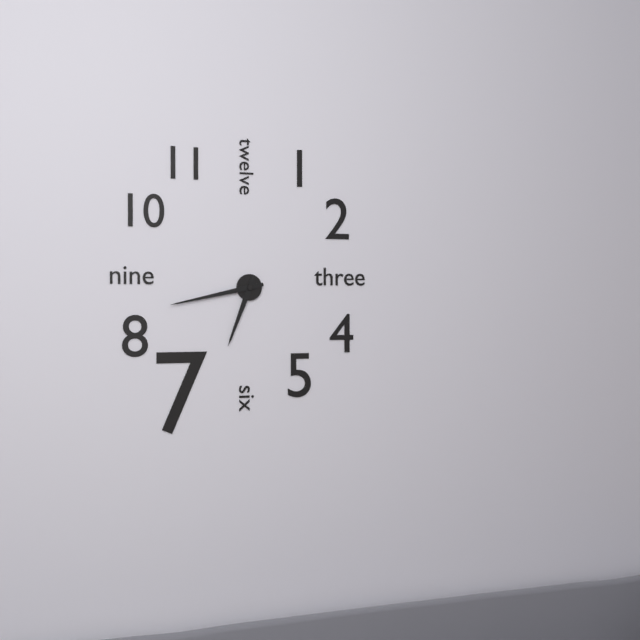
6:43
